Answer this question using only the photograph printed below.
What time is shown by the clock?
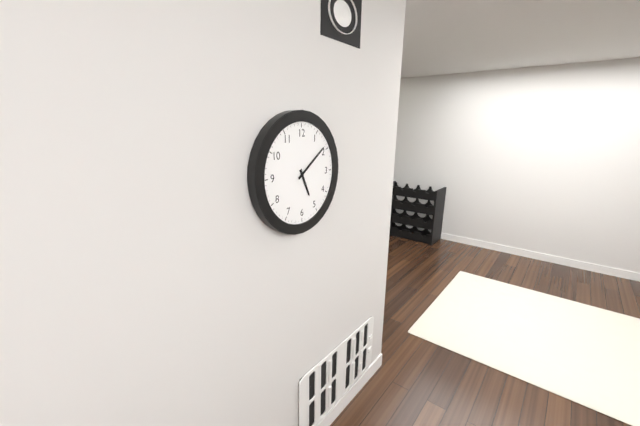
5:09
